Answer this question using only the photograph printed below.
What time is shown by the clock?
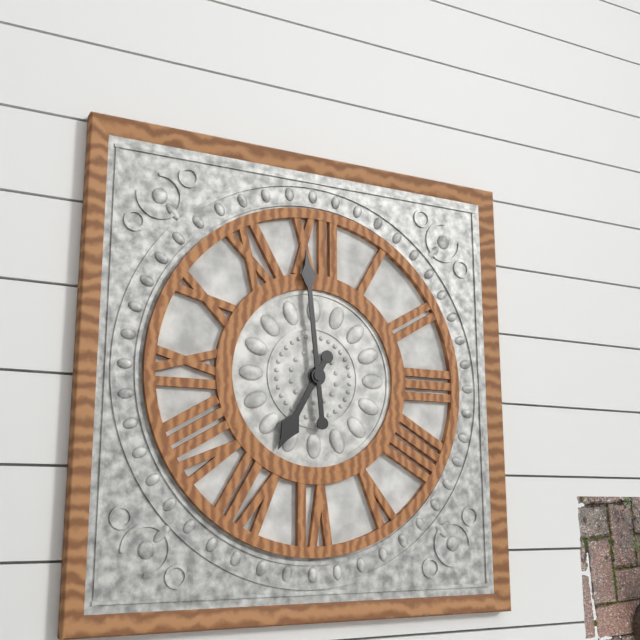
6:59
